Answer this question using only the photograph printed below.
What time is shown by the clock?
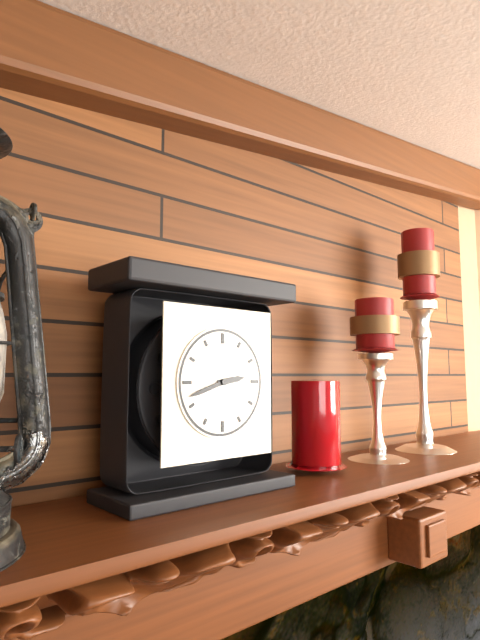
2:42
